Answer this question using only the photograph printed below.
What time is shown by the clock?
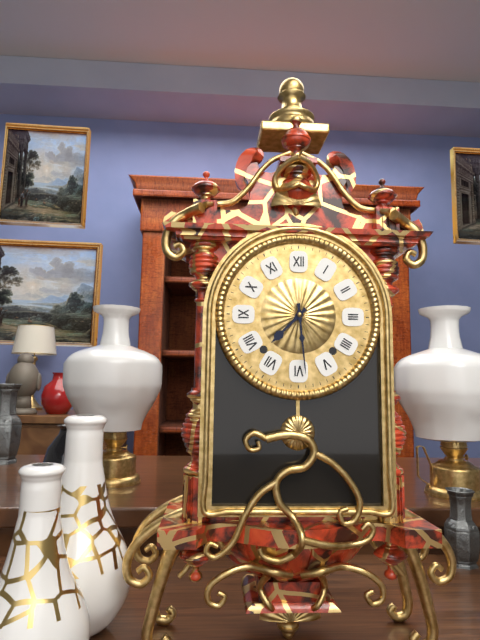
7:29
